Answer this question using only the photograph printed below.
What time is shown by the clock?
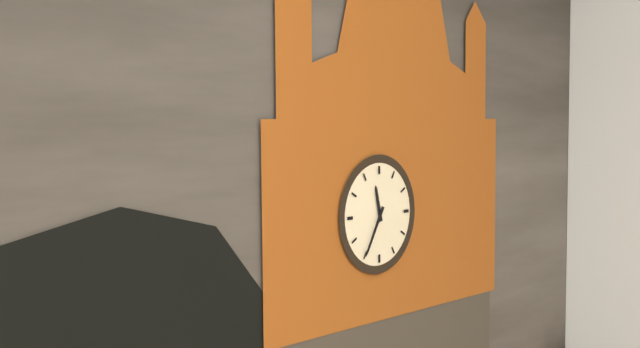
11:35
